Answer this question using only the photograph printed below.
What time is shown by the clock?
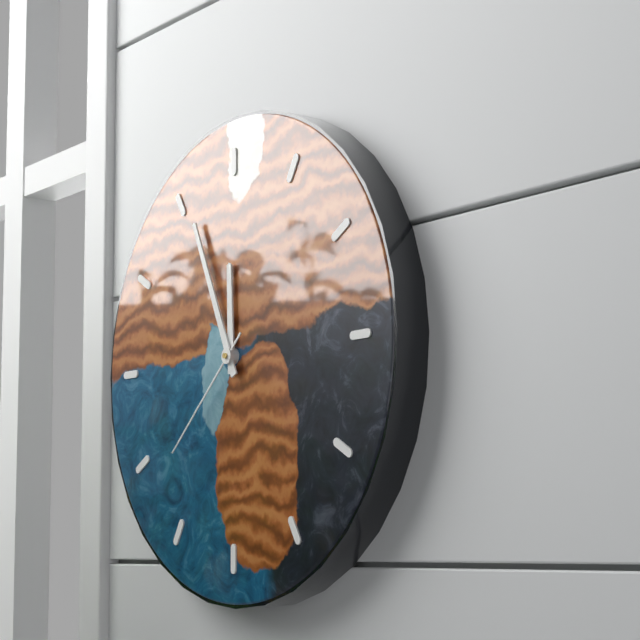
11:56:38
